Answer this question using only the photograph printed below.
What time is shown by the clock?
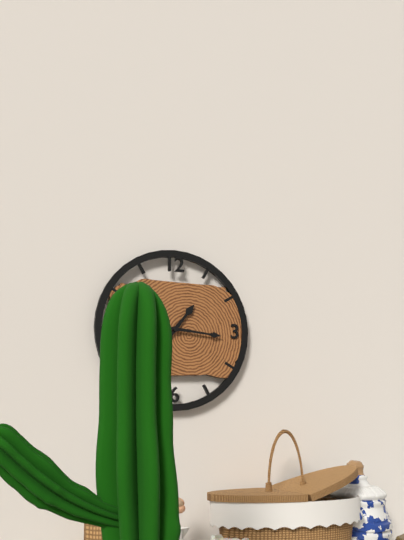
1:16
